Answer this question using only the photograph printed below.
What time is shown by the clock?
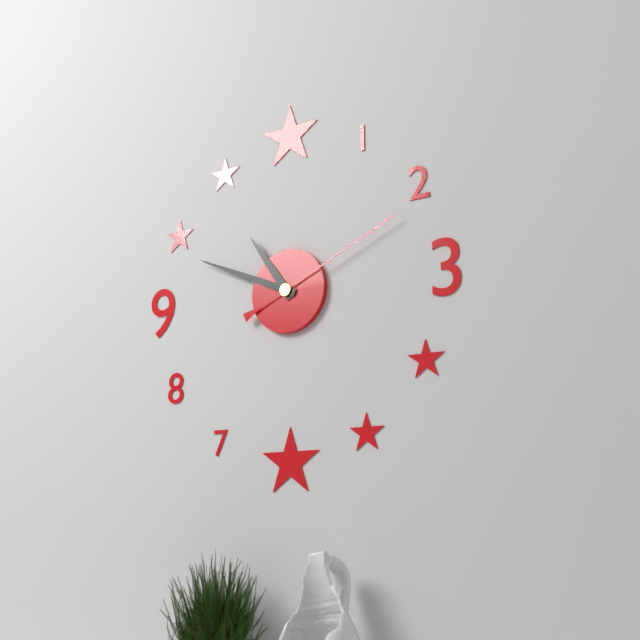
10:49:11
